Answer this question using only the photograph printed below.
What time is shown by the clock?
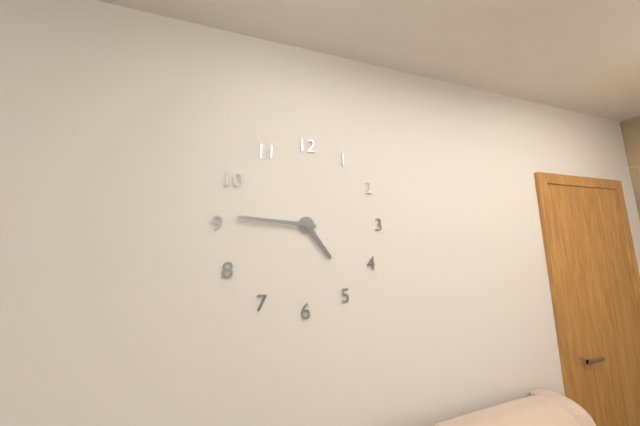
4:46
